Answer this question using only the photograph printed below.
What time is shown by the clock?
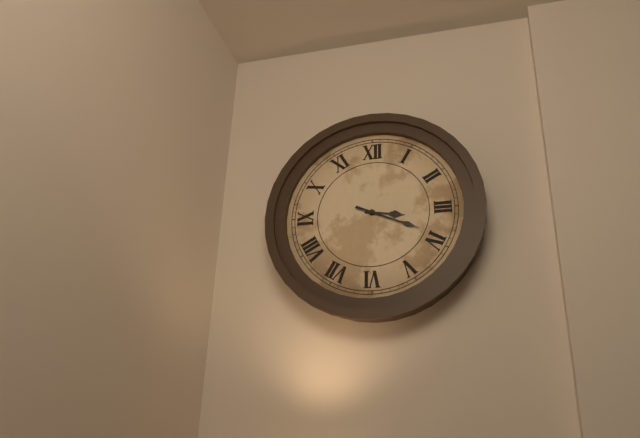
3:19
